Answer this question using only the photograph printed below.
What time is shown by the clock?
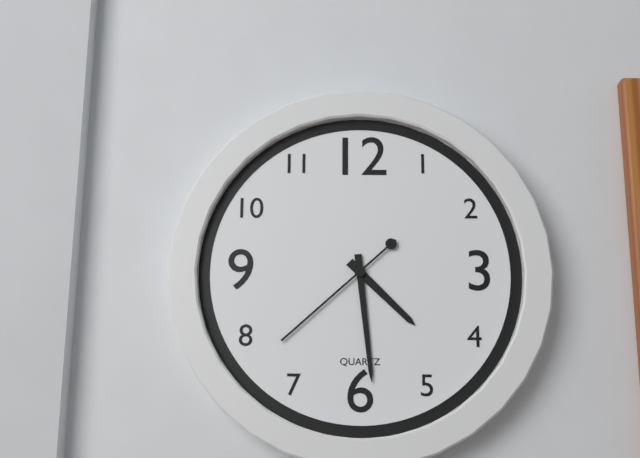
4:29:38
